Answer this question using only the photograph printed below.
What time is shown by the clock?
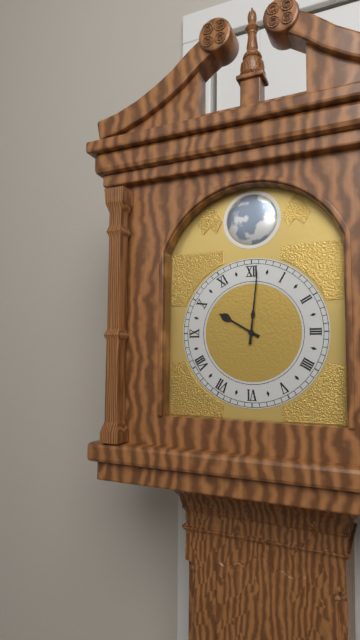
10:01
